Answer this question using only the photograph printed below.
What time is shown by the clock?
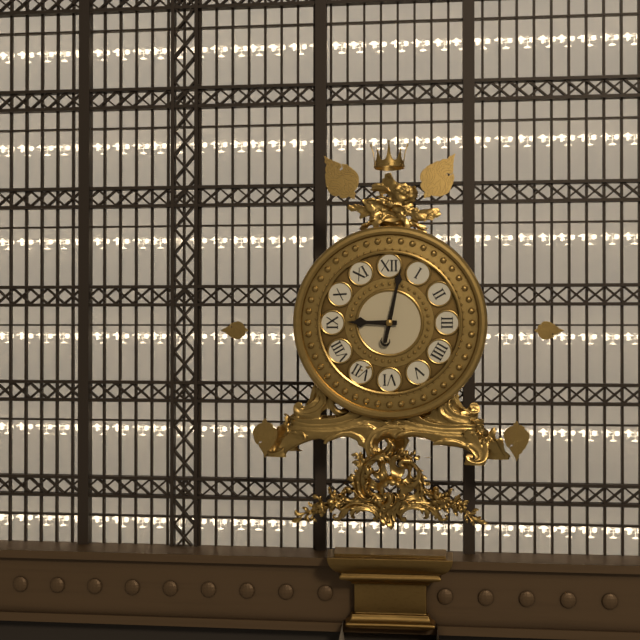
9:02
